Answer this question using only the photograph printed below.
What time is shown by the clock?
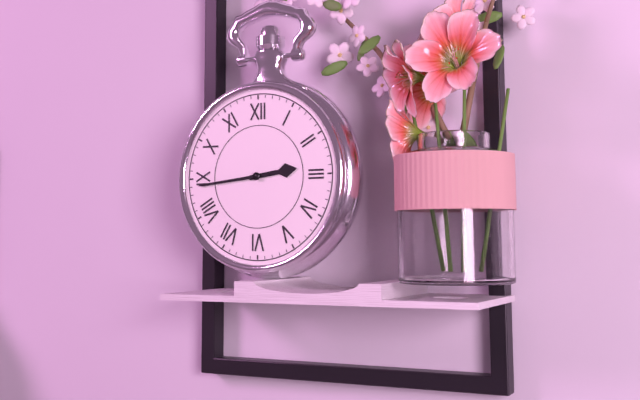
2:44
